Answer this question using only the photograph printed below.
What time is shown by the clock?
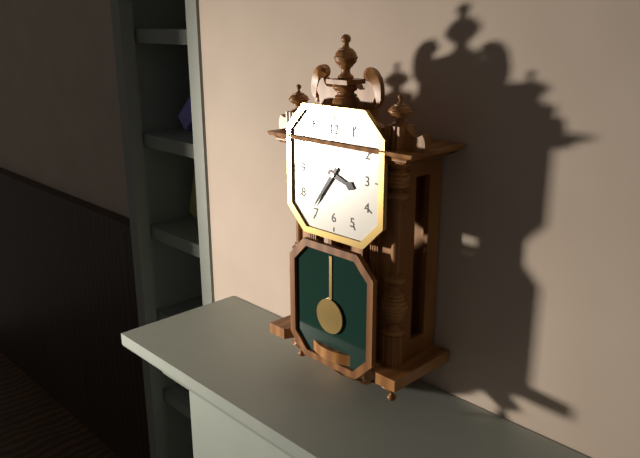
3:36
